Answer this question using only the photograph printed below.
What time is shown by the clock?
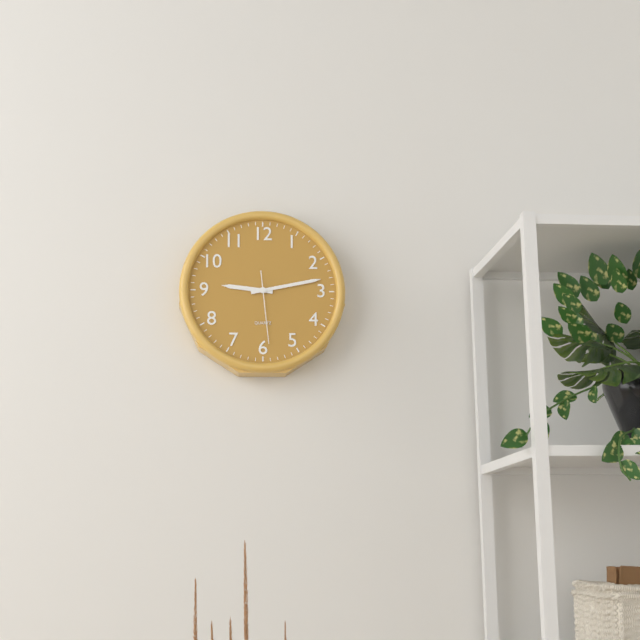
9:13:29
